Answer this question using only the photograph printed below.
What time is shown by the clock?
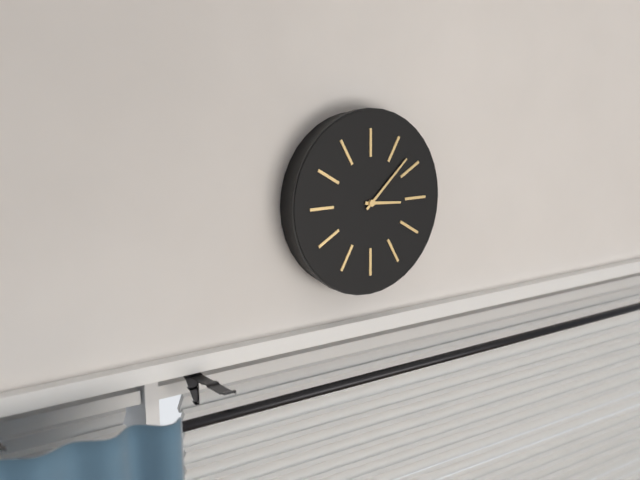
3:08
